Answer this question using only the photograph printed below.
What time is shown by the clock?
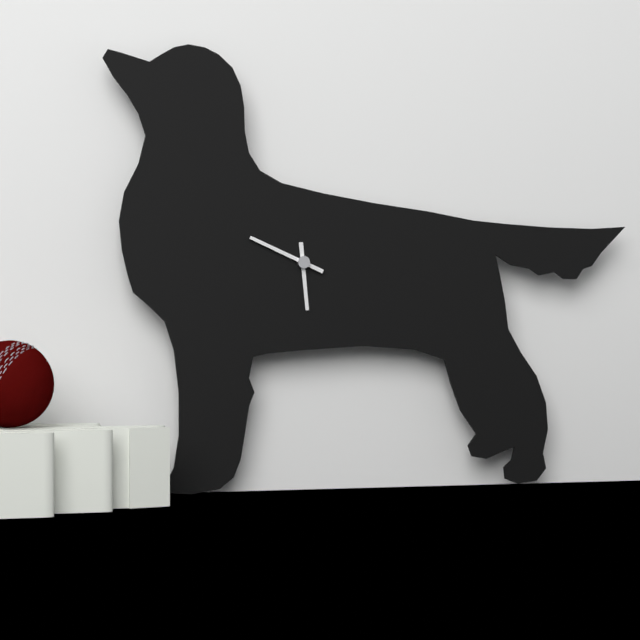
5:49
